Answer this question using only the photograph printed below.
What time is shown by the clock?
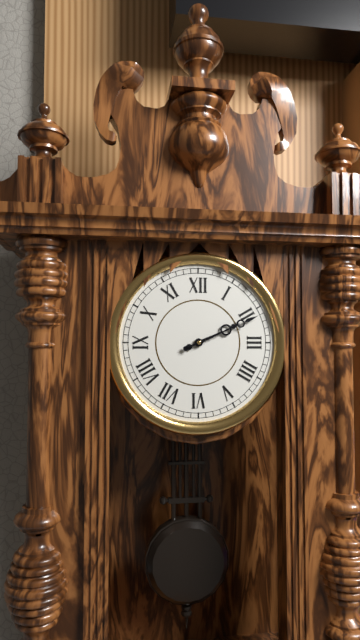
2:11
